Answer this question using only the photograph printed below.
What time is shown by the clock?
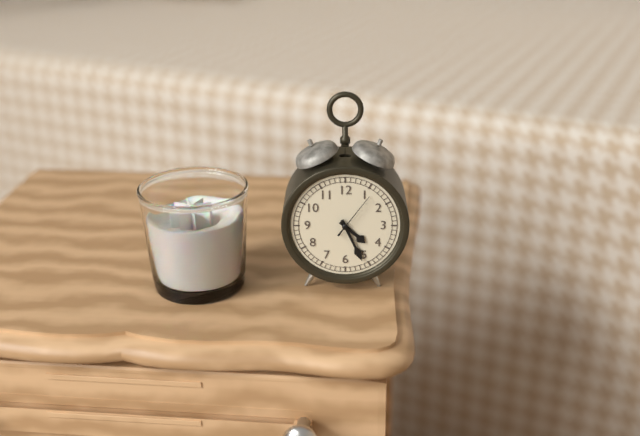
4:26
